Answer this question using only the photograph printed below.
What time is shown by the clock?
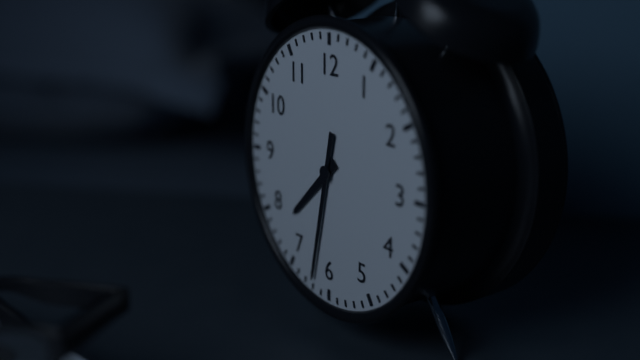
7:32
